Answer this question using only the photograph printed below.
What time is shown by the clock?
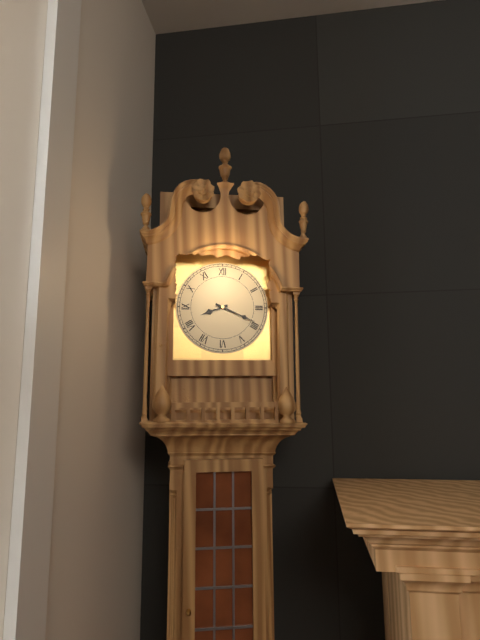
8:19
